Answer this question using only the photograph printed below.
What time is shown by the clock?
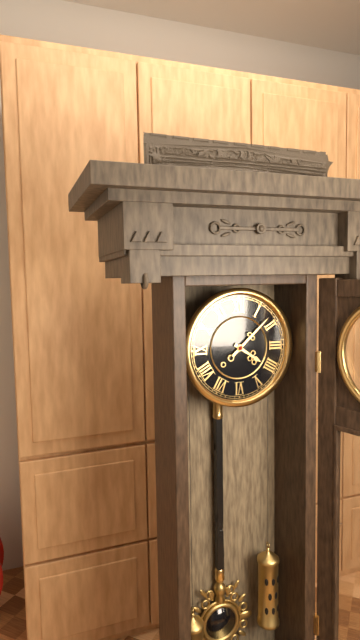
4:08
